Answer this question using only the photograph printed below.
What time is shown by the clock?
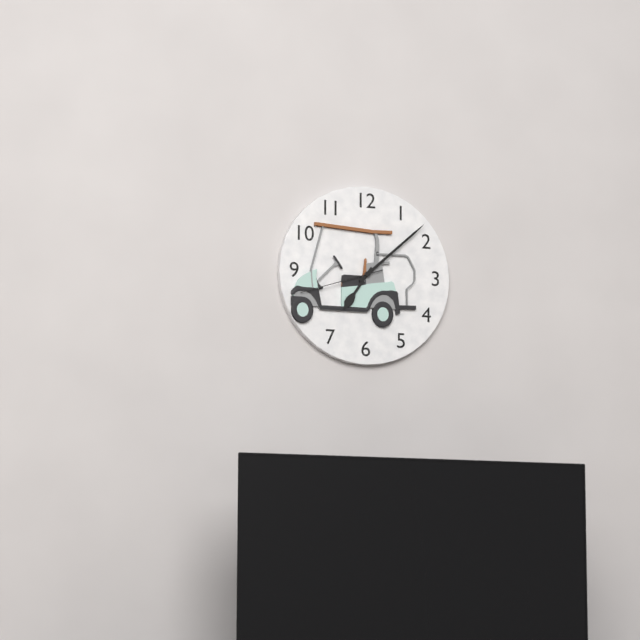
7:08:42
